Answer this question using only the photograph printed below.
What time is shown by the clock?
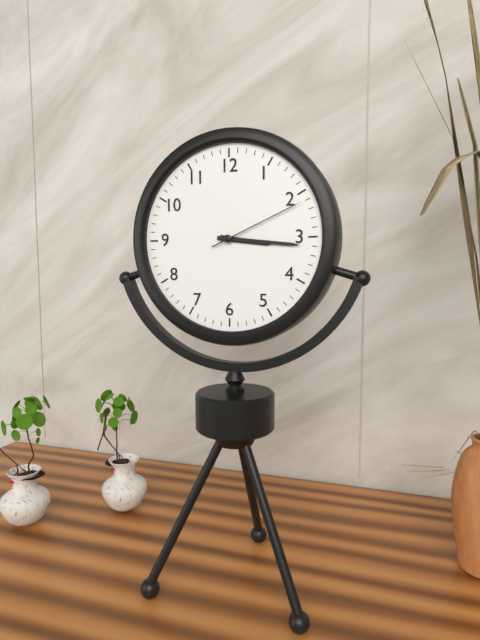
3:16:11
